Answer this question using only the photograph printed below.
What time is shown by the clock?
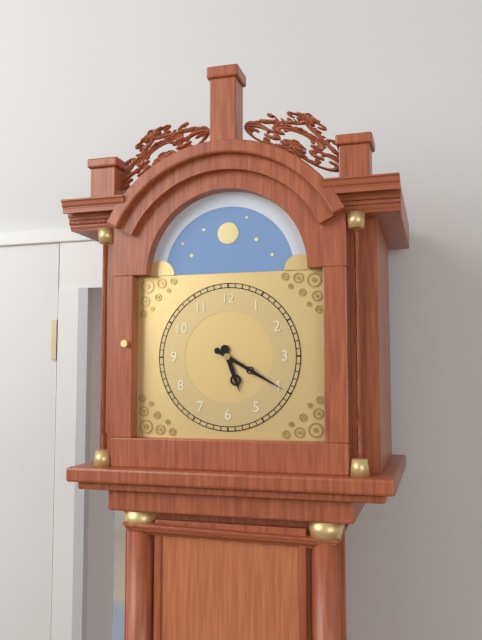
5:20
